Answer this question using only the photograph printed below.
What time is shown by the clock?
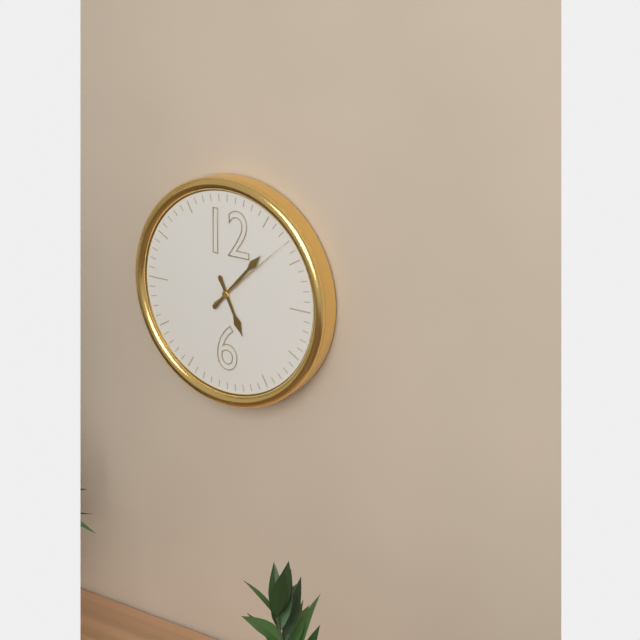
5:07:08
